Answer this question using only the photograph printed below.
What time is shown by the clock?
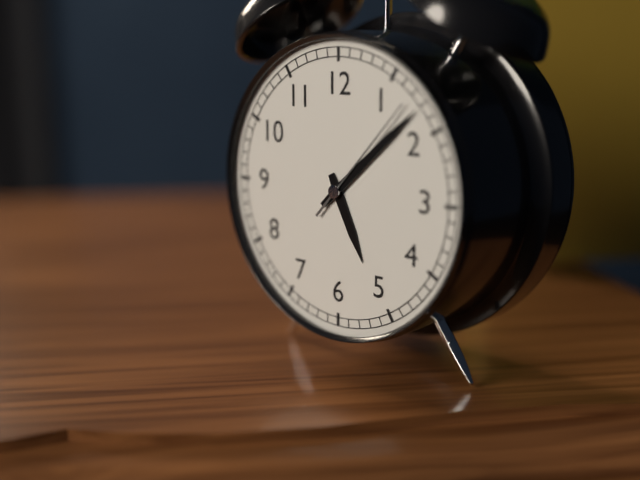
5:08:07
